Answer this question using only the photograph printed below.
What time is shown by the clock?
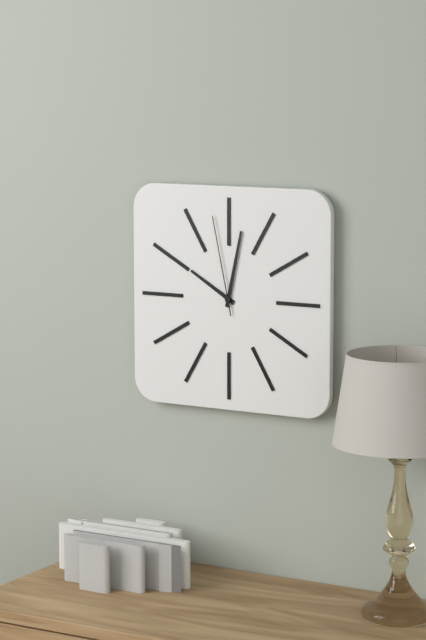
10:02:58
